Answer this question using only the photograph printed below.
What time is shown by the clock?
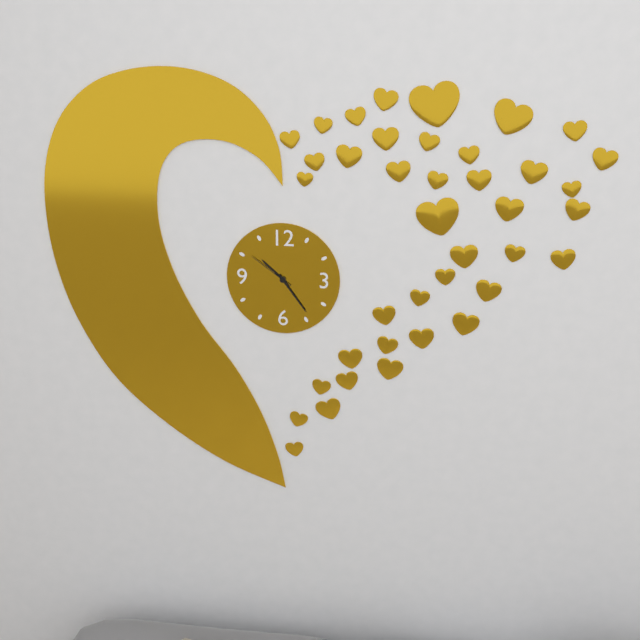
10:24
